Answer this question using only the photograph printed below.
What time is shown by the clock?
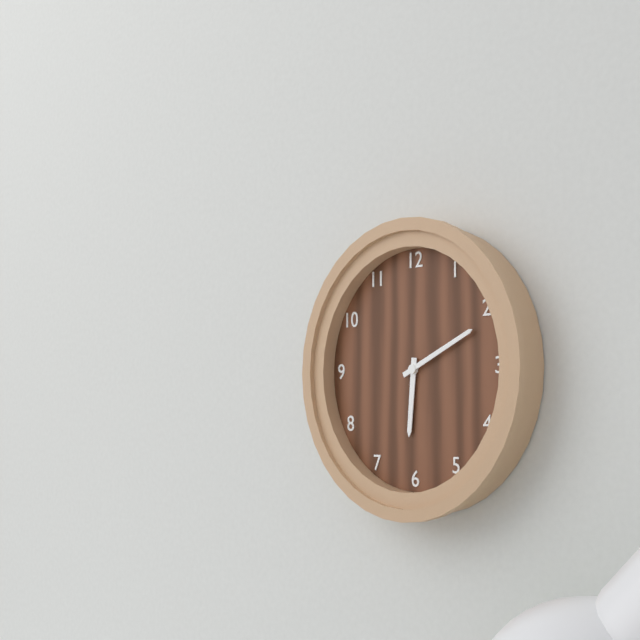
6:11
